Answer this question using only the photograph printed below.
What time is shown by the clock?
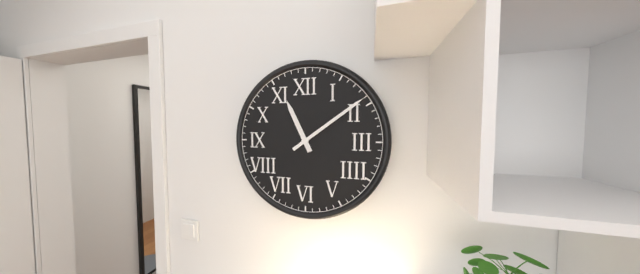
11:09
